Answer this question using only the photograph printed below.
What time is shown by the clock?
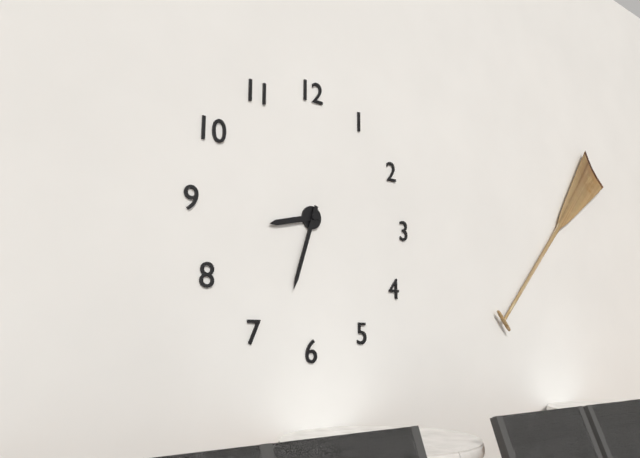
8:33
